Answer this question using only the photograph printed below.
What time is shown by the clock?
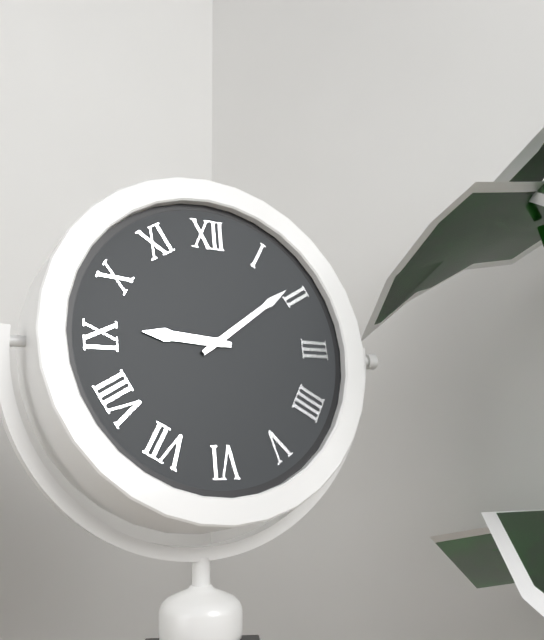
9:09
